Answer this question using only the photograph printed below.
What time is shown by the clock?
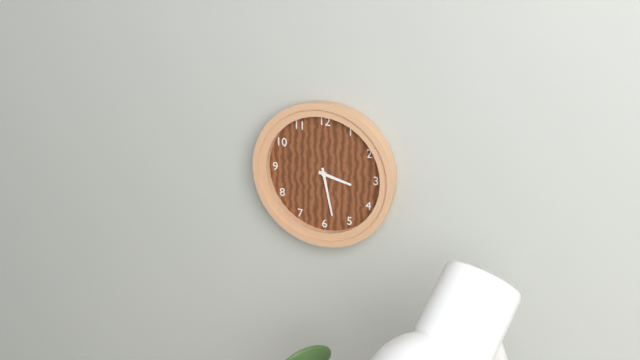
3:28
